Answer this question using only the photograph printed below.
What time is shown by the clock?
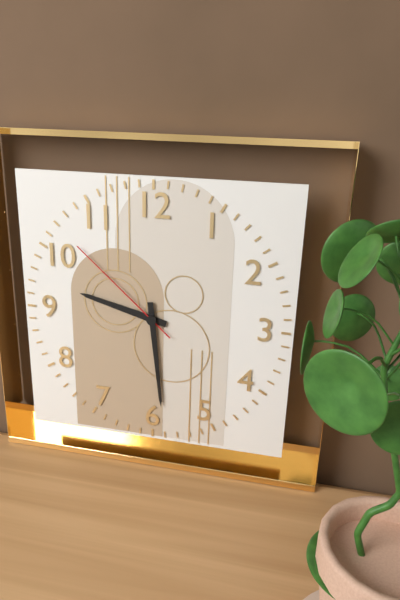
9:29:52
